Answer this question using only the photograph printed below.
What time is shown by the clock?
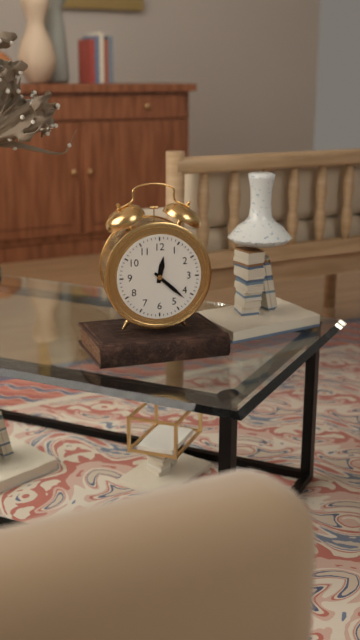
12:22
